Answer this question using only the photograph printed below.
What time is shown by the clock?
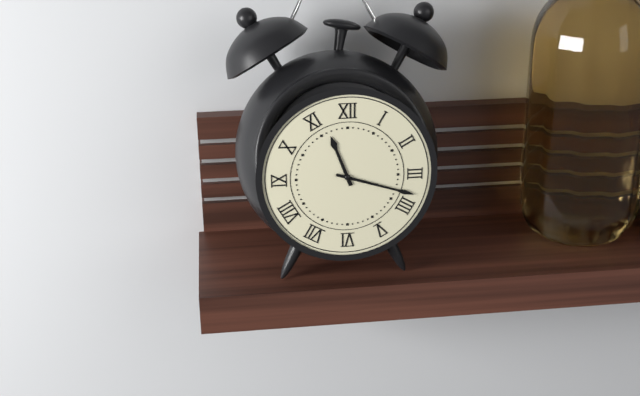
11:18
